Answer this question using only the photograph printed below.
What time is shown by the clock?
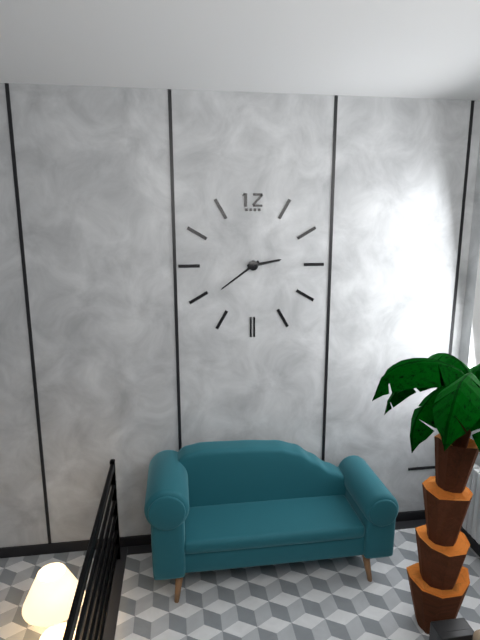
2:39
